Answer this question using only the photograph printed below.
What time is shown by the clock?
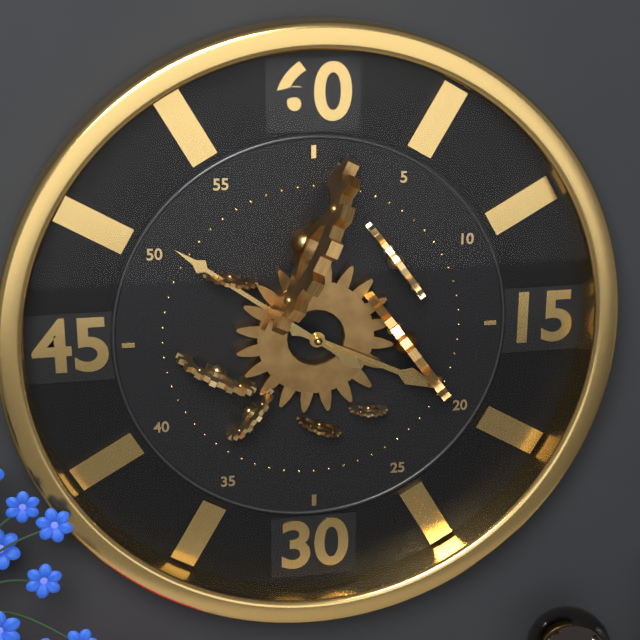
3:51
